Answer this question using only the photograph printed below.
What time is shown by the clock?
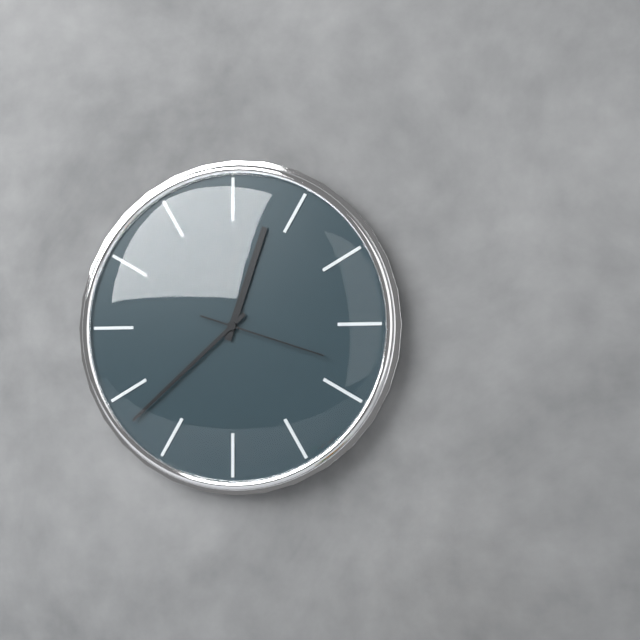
12:38:18
